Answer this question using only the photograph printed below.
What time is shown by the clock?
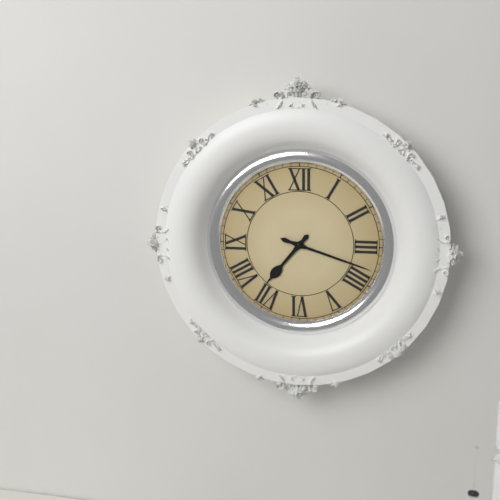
7:18
